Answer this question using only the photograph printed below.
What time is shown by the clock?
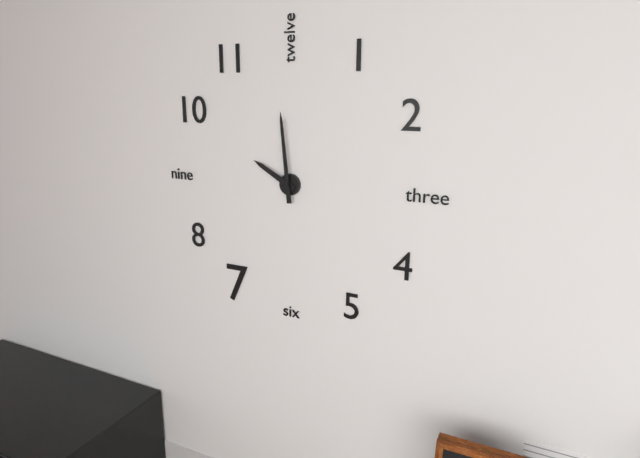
9:59
